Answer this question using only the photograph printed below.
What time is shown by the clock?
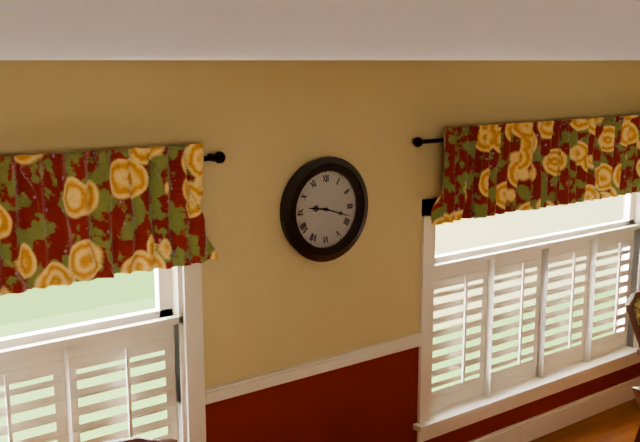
9:18
